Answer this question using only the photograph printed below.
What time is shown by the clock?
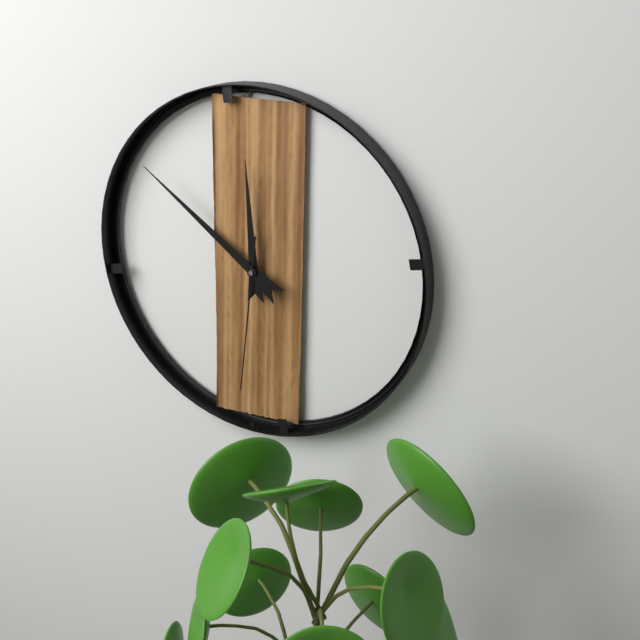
11:51:31
